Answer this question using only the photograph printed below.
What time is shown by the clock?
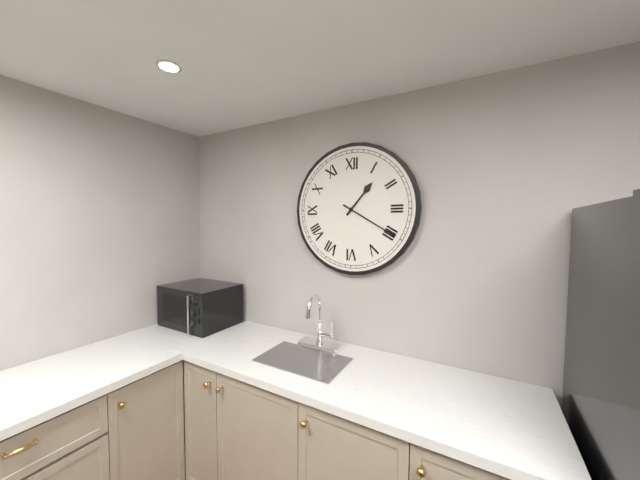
1:20
